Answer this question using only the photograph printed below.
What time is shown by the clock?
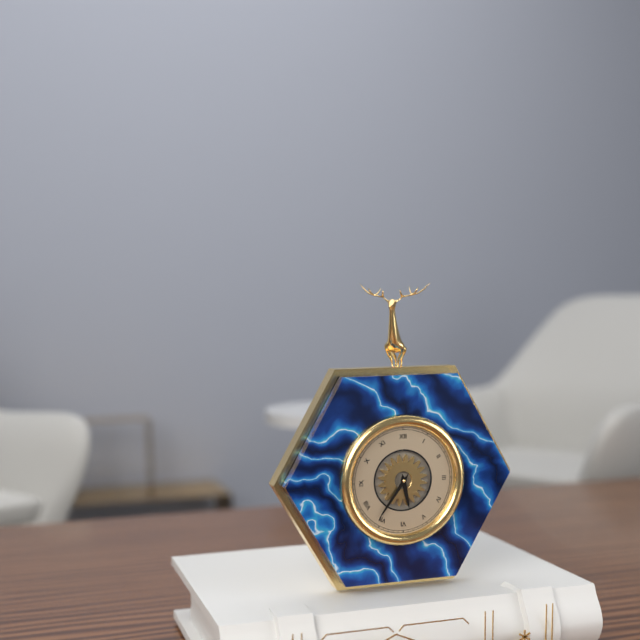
5:36
